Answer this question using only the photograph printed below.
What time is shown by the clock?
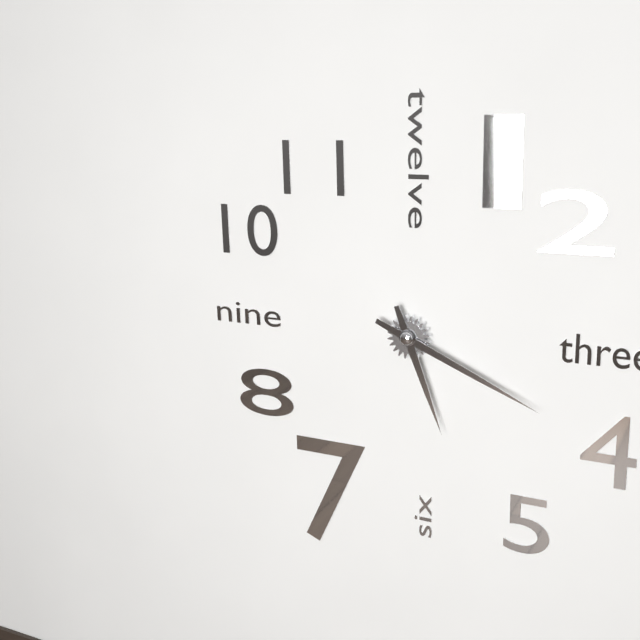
5:19
